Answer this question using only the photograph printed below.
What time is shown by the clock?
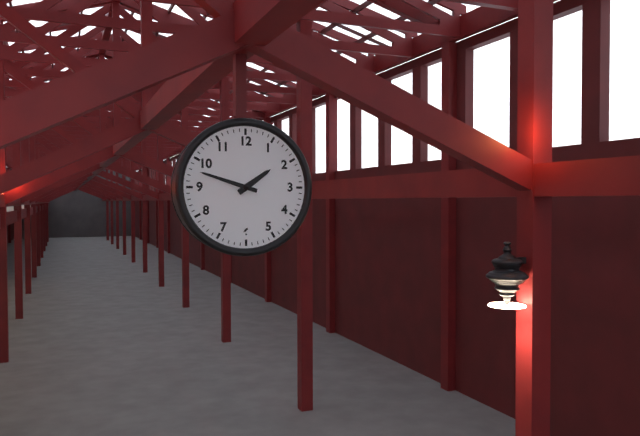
1:48
